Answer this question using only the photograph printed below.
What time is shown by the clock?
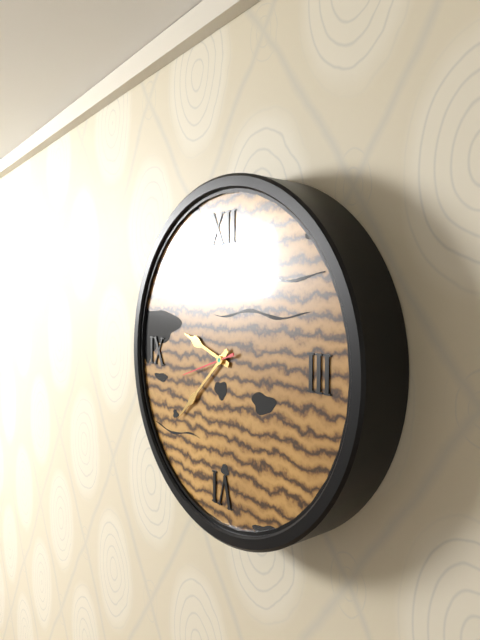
9:38:42
